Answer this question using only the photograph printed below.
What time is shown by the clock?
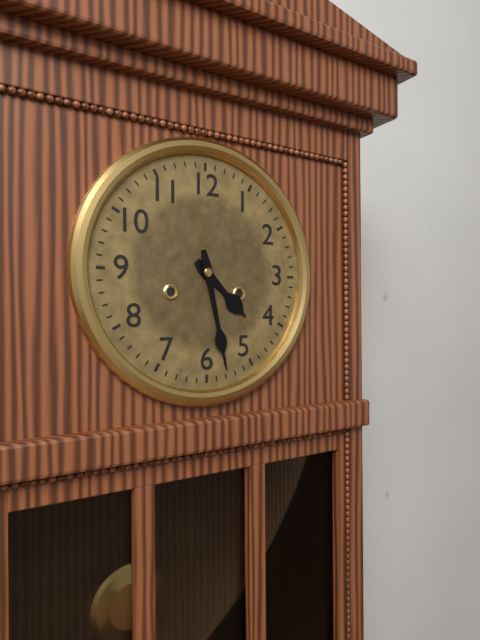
4:28
